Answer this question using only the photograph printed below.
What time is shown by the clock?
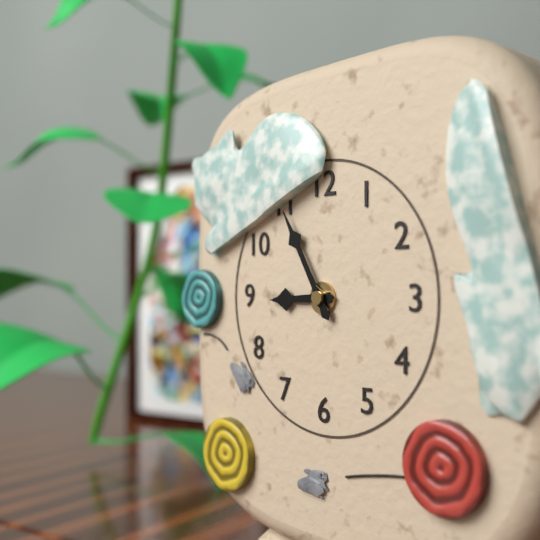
8:55
